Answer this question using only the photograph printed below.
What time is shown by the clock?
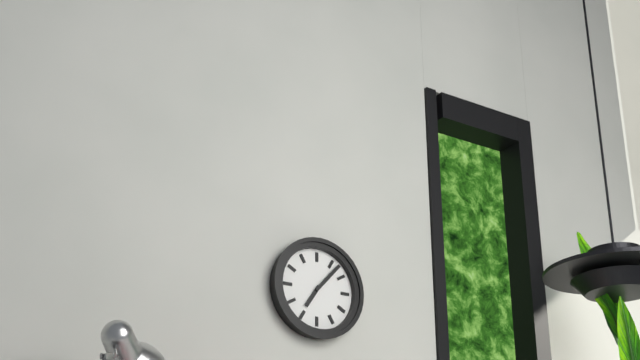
7:07
